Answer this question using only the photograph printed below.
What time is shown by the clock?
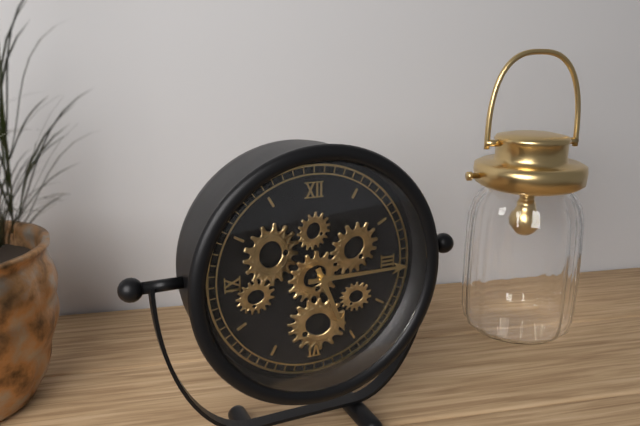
5:15
